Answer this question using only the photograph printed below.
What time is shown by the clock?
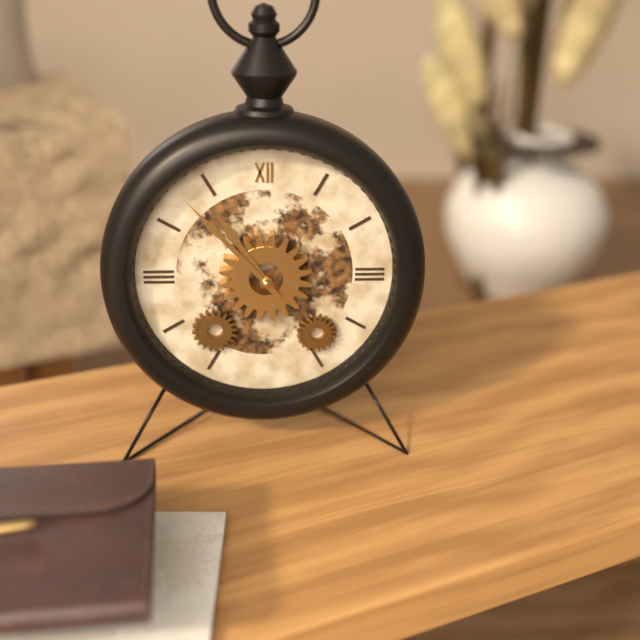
10:53
